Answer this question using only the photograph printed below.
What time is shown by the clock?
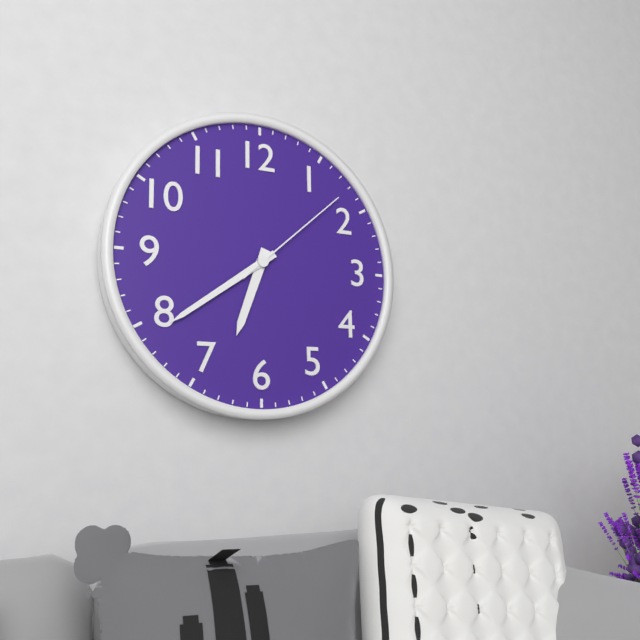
6:39:08
